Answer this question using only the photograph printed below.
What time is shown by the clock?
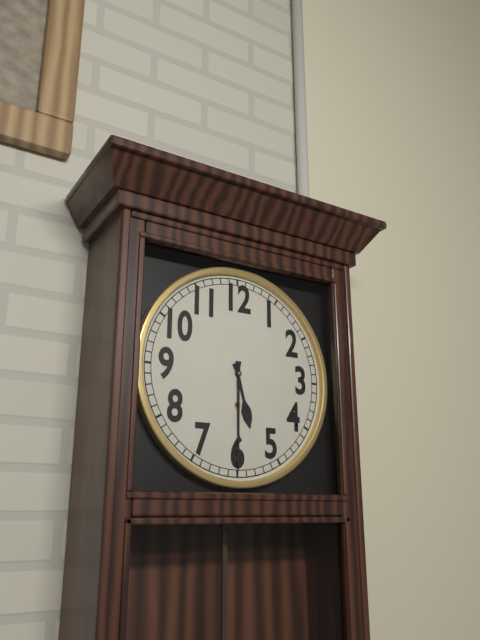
5:30
